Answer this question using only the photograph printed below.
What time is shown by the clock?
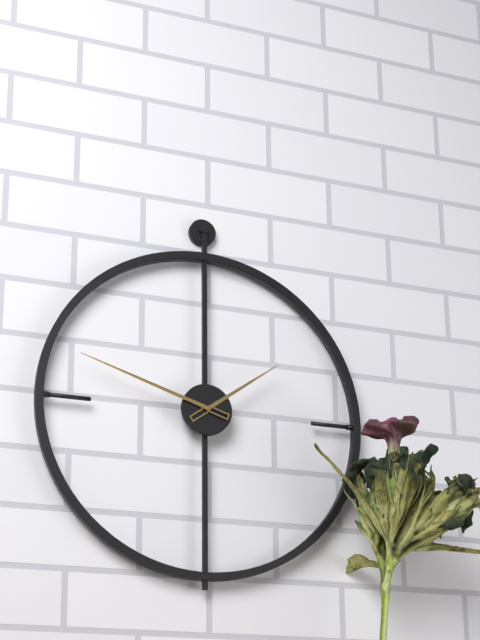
1:48
